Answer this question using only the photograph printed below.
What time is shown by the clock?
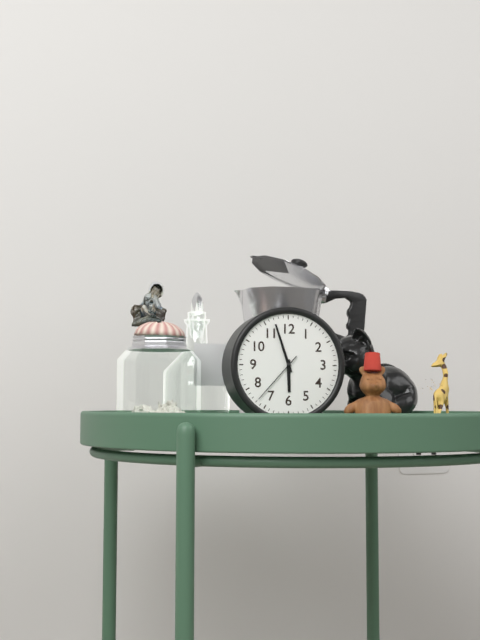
5:57:37
